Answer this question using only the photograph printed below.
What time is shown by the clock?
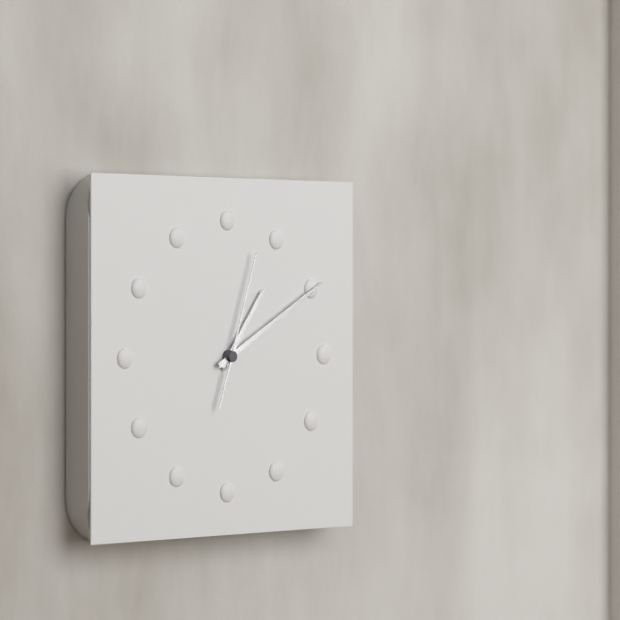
1:10:03
